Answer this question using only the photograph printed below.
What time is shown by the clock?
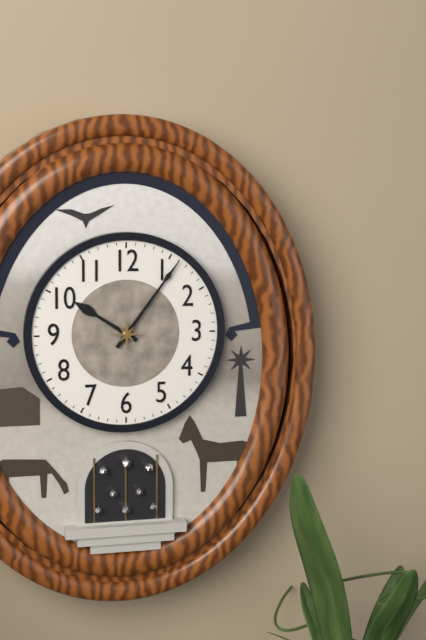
10:06
